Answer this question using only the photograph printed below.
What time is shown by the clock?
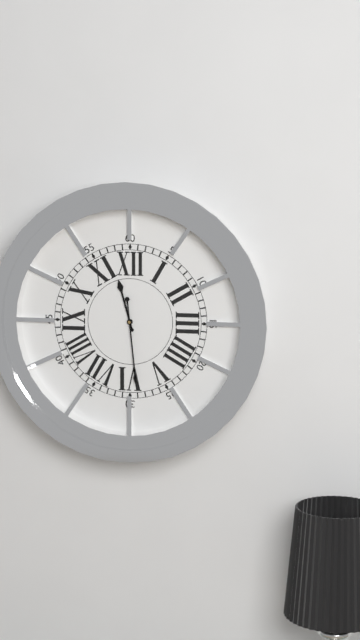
11:29
